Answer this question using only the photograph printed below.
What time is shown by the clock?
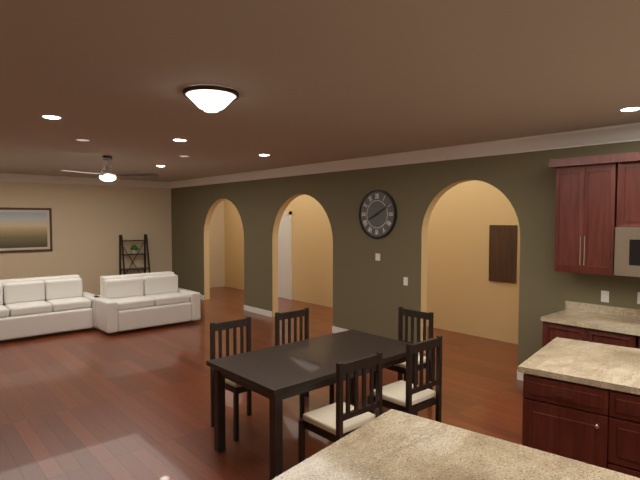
8:10
